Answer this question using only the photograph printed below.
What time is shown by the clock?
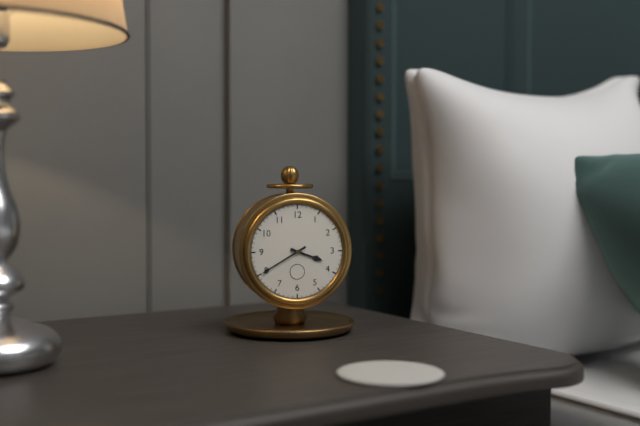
3:40
